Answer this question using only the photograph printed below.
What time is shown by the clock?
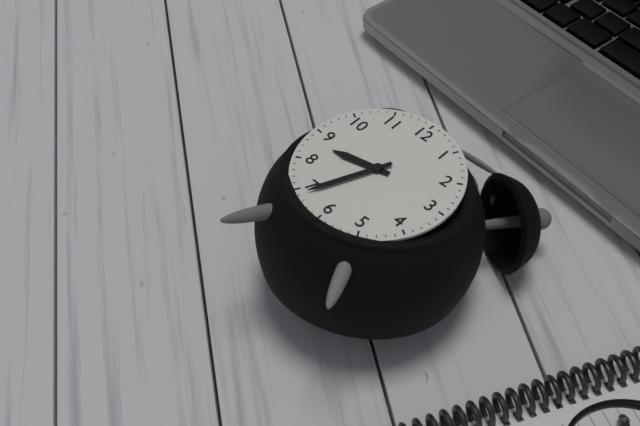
8:34
